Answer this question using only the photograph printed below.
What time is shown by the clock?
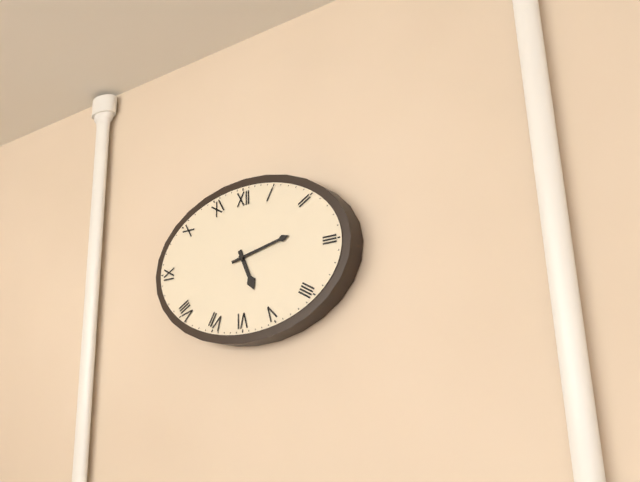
5:13
